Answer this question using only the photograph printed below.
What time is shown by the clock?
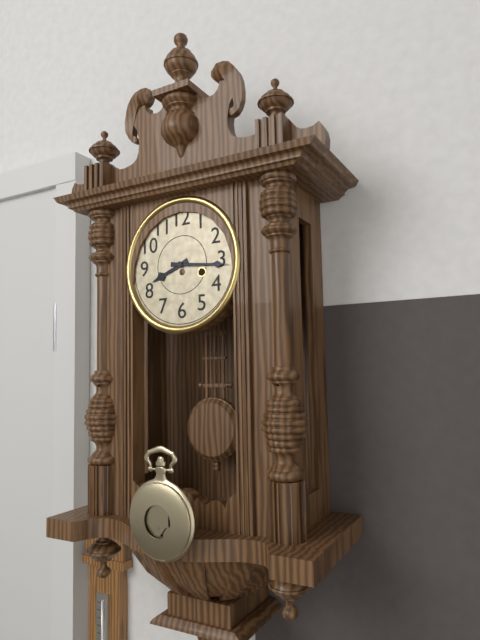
8:16
